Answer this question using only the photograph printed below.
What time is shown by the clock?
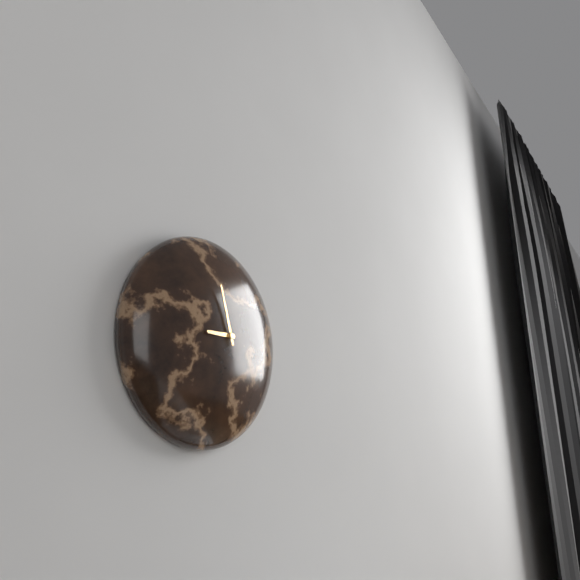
8:57
